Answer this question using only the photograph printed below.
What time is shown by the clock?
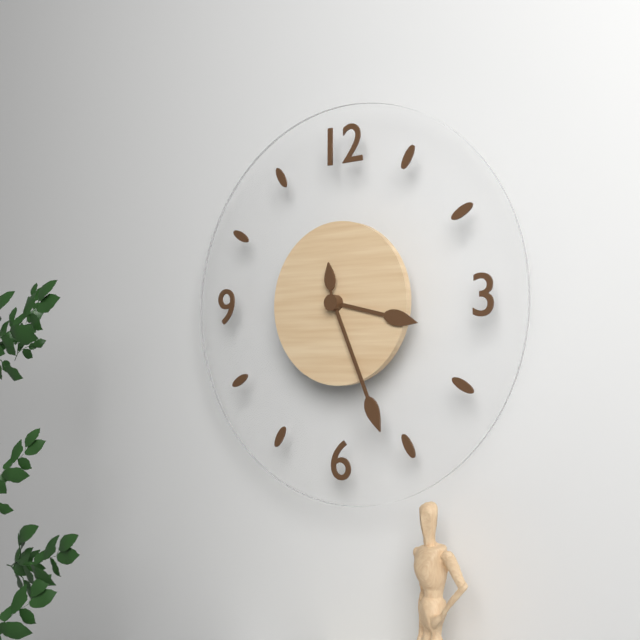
3:26:59
